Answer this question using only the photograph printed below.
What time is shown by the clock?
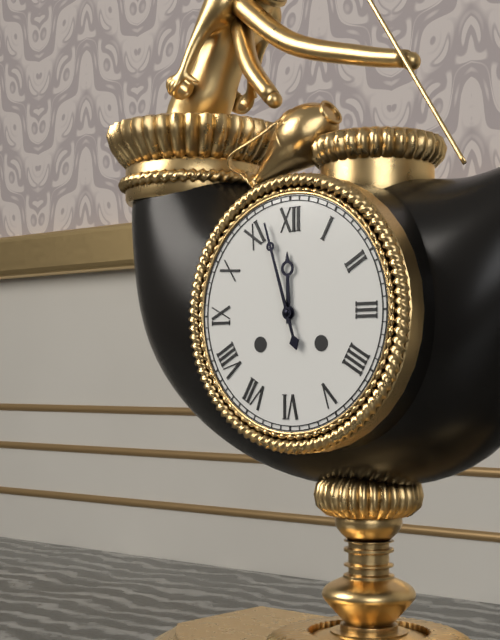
11:57
